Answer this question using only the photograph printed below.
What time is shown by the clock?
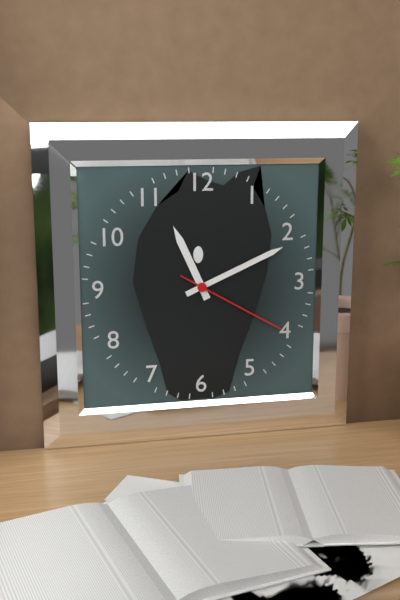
11:11:20
